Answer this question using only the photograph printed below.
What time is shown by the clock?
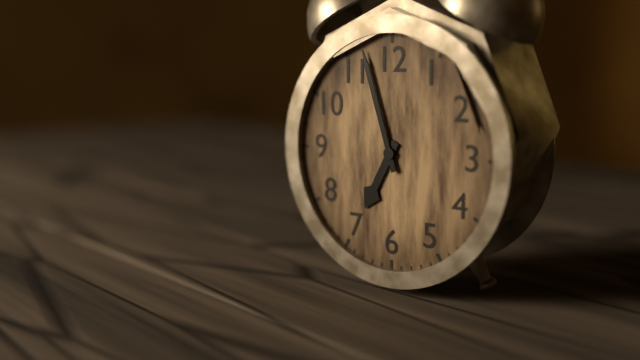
6:57
